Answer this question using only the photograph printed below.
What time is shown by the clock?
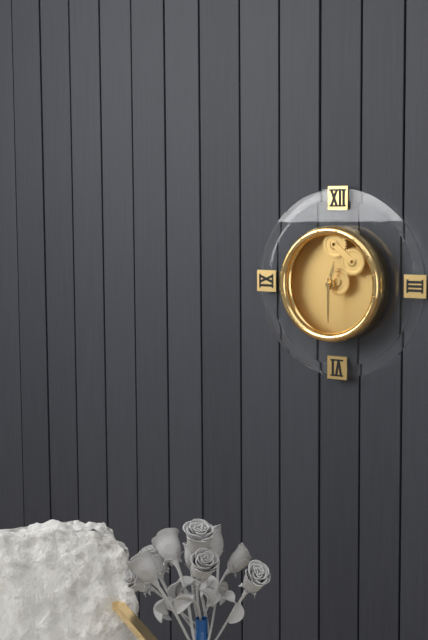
12:30
